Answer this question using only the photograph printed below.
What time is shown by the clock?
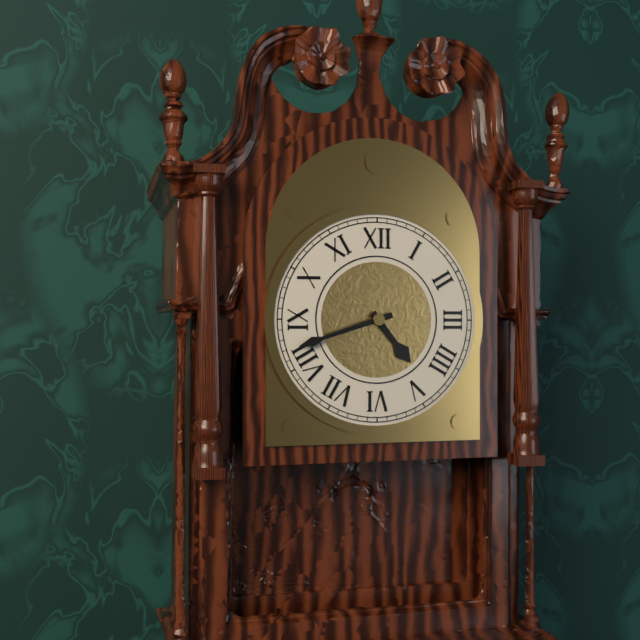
4:42
